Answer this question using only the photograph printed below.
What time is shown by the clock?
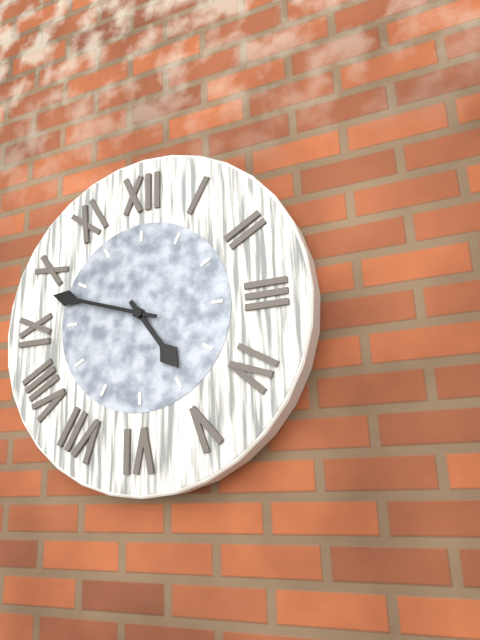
4:48
